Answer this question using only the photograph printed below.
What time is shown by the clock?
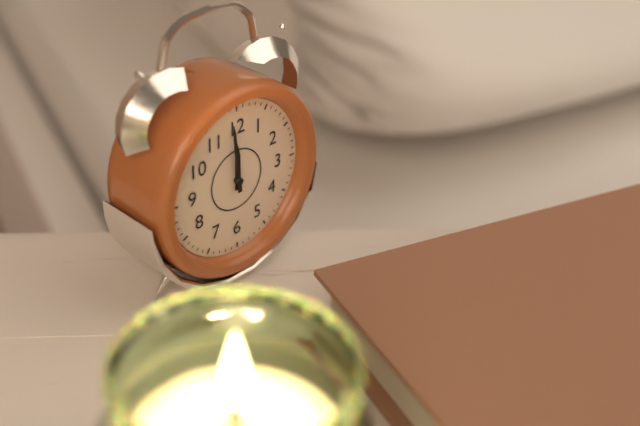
11:59
